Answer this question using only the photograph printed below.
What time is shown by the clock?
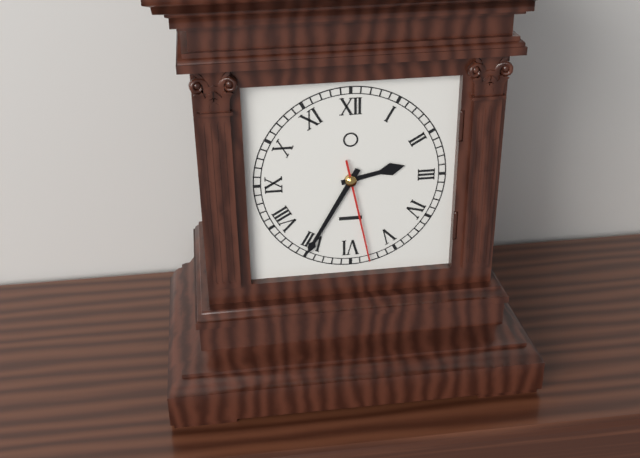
2:35:28
